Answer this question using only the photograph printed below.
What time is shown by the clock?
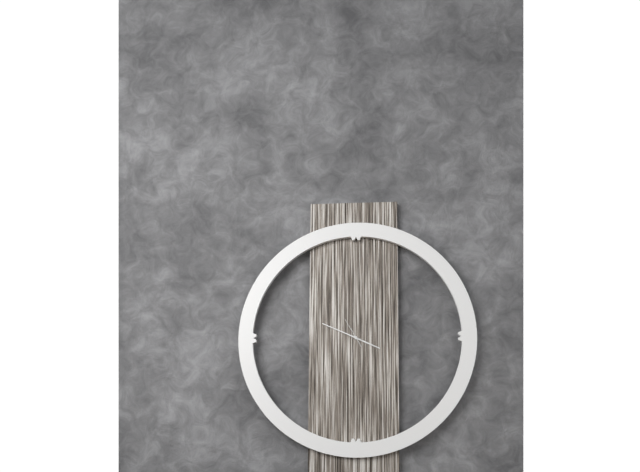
3:49
